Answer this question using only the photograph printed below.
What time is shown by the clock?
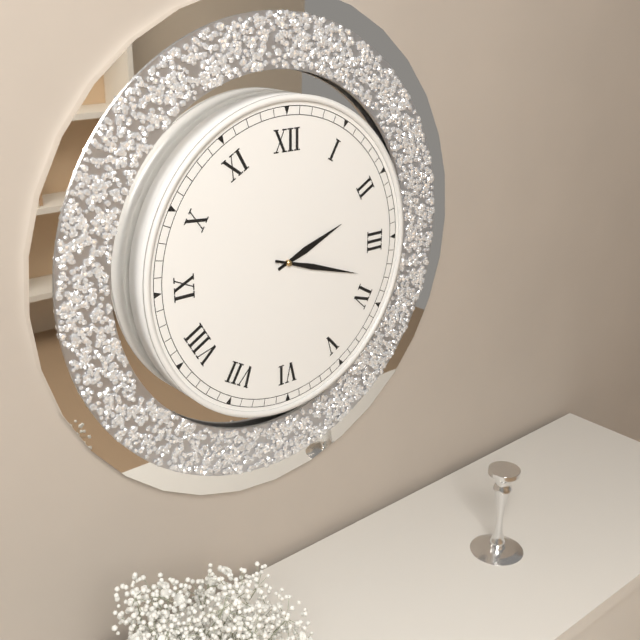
2:18
